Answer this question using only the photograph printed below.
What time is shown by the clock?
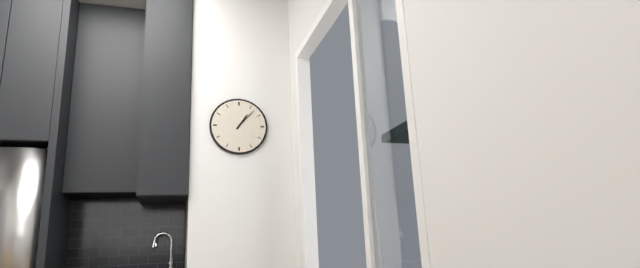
1:07
